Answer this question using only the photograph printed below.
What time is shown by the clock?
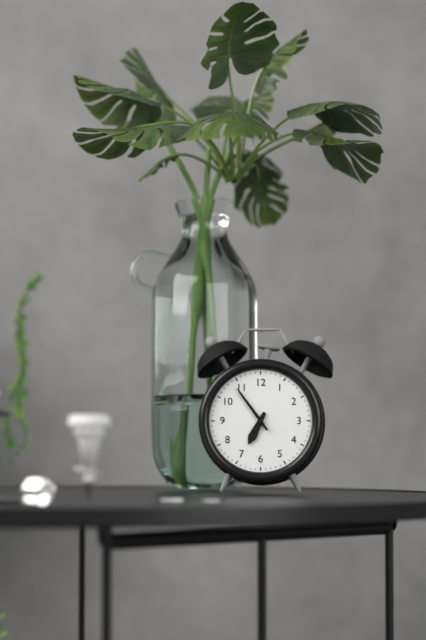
6:54
